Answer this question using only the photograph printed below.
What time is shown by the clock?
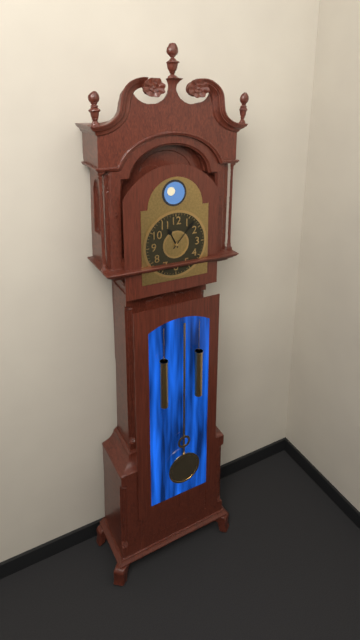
11:07
